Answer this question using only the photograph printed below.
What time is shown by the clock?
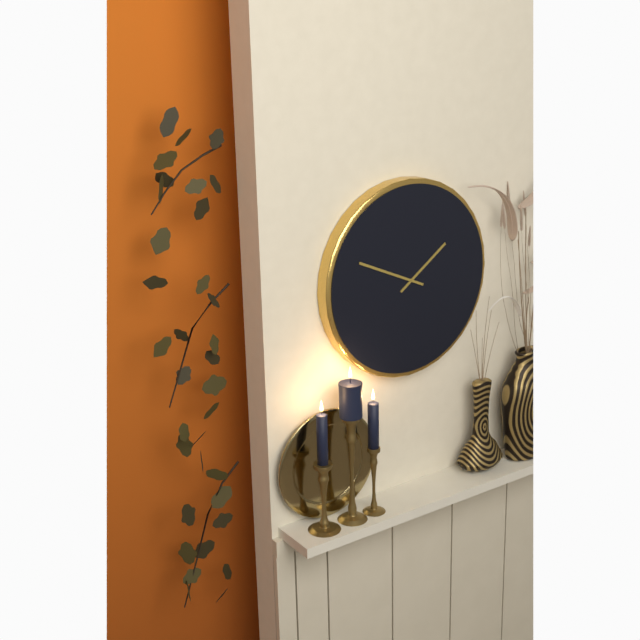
1:49
